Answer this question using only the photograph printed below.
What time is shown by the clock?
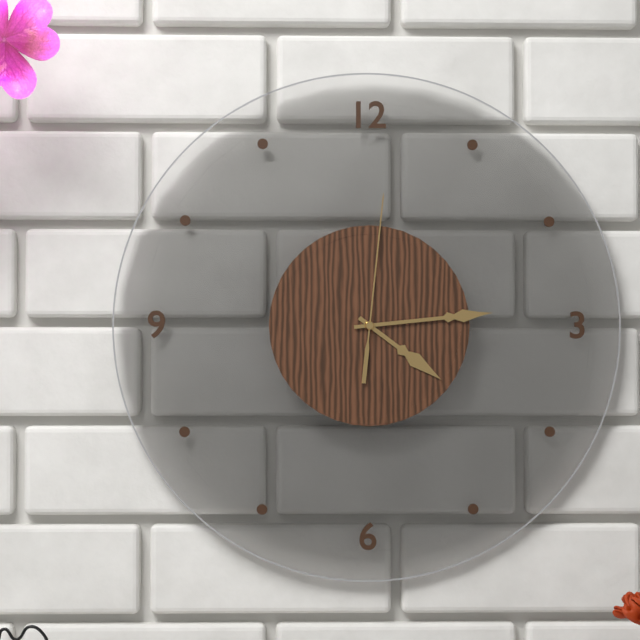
4:14:01
